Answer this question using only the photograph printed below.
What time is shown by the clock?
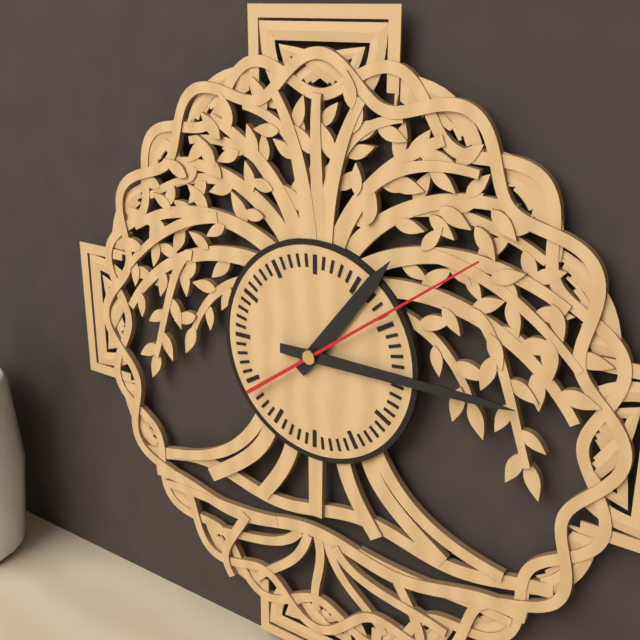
1:15:09
